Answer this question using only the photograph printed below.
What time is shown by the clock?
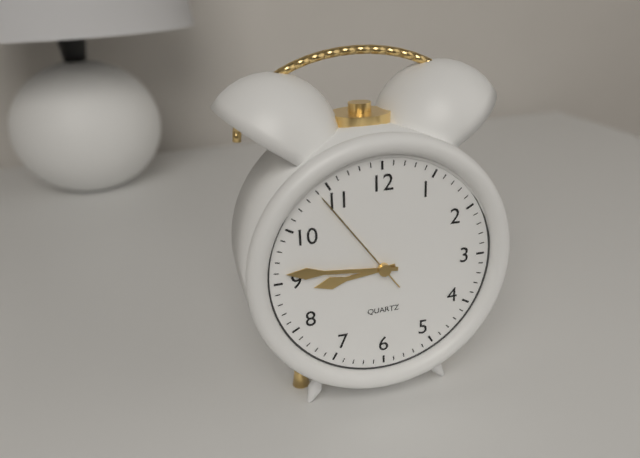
8:46:54
